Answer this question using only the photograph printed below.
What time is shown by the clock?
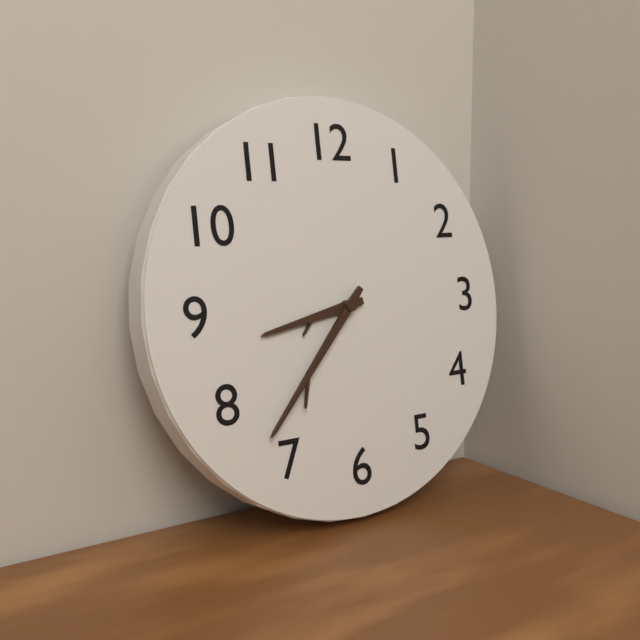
8:37
